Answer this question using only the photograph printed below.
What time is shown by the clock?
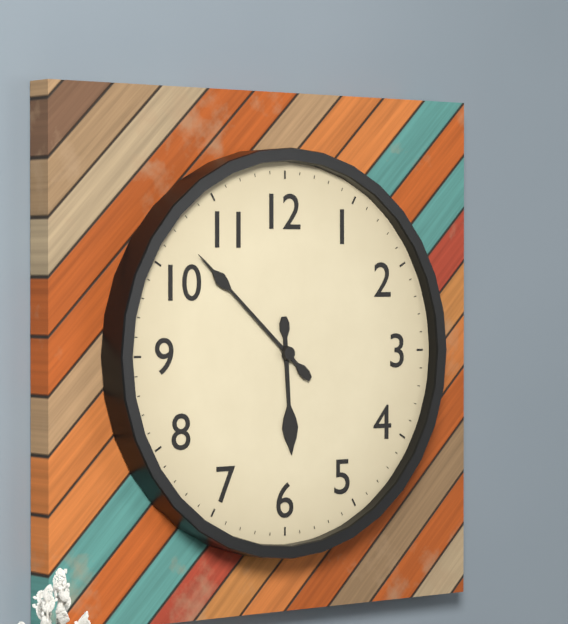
5:52
